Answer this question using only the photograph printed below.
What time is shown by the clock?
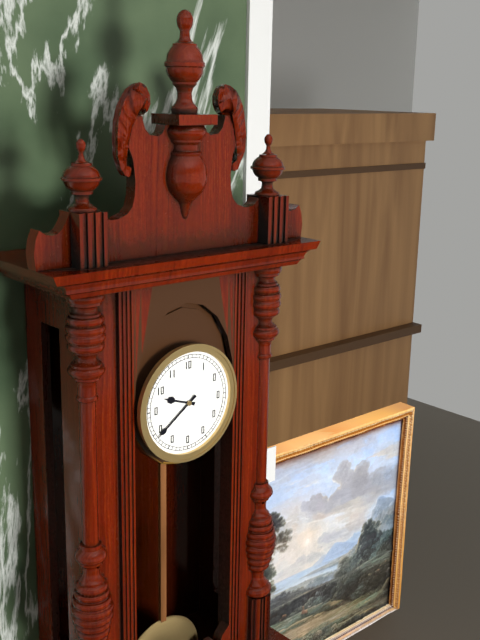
9:39
